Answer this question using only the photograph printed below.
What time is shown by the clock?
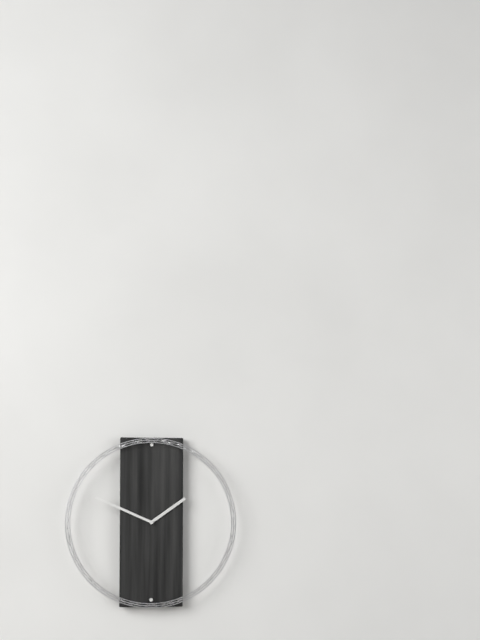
1:49
